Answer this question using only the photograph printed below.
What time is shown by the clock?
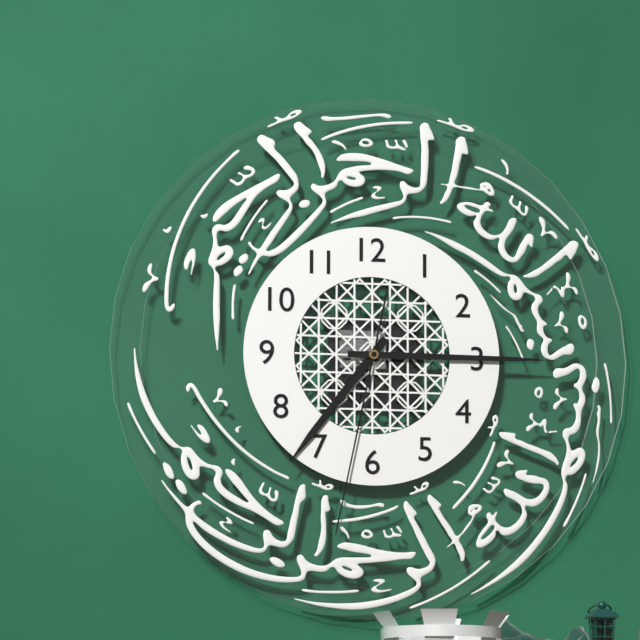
7:15:32
